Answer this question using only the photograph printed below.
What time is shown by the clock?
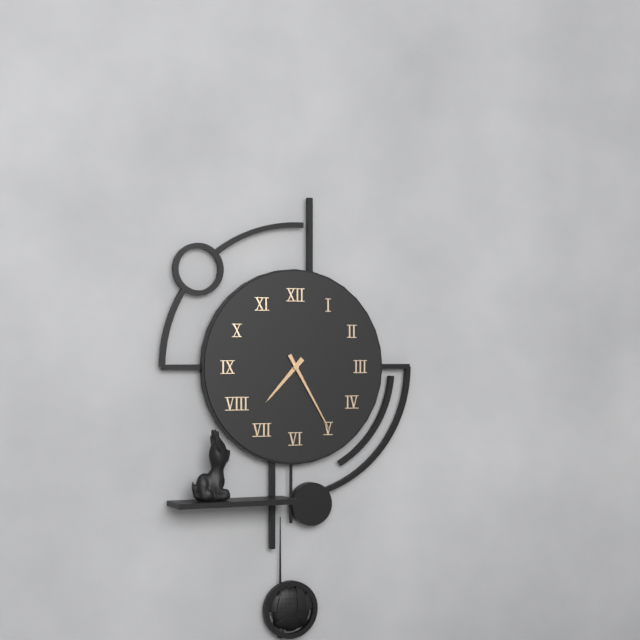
7:25
